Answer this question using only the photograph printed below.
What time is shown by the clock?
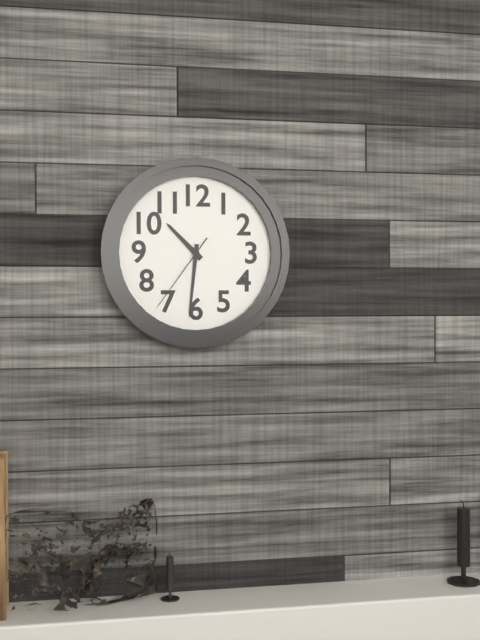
10:31:36
